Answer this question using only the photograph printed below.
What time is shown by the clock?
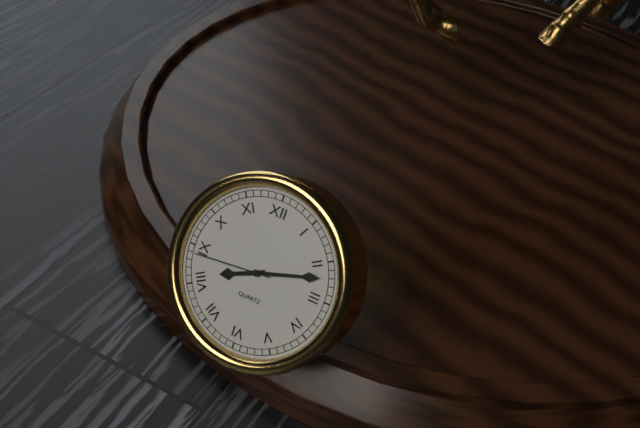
8:12:44
